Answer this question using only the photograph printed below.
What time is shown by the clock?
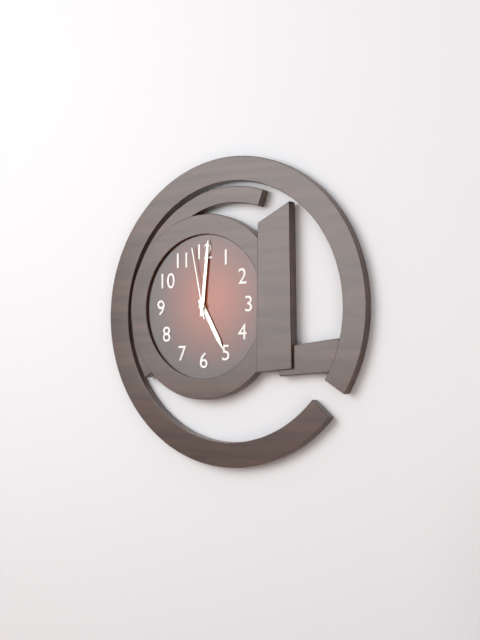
5:01:58
